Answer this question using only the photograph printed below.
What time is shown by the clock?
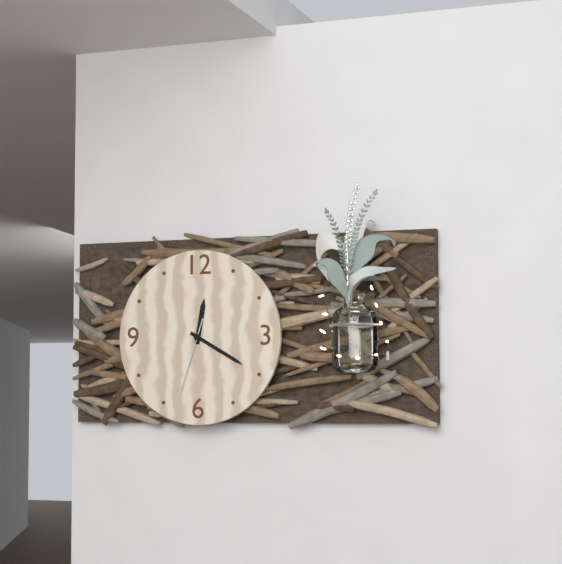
12:20:33
